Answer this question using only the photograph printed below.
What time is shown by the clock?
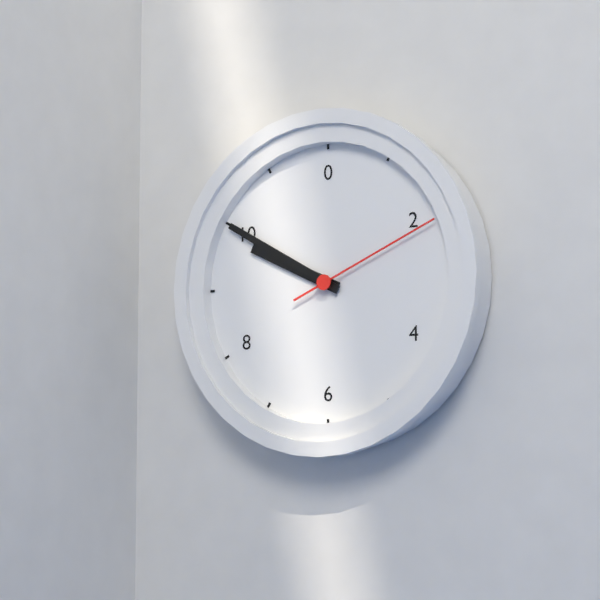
9:50:11
